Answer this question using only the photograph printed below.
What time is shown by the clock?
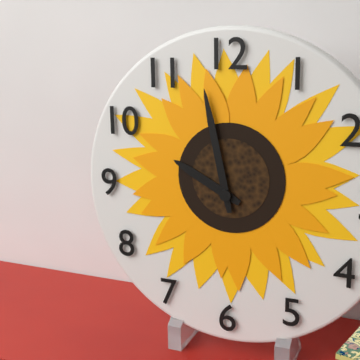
9:58
